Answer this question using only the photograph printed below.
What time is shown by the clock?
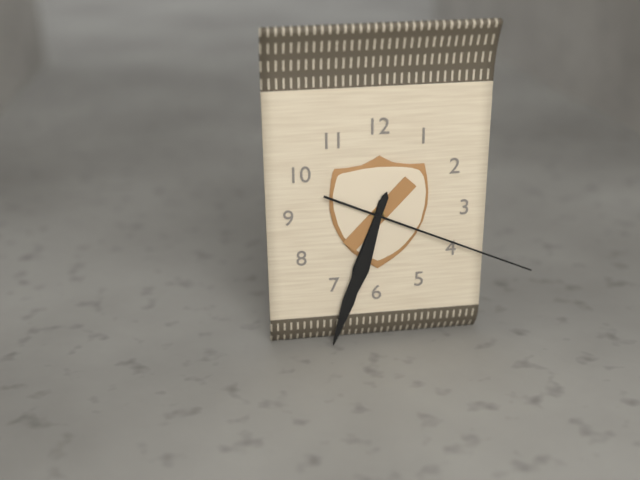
6:33:19
